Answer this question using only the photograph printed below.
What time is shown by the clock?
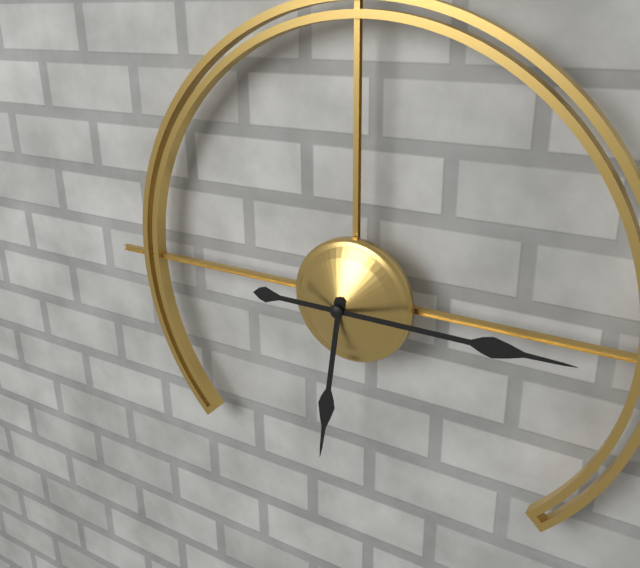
6:15
